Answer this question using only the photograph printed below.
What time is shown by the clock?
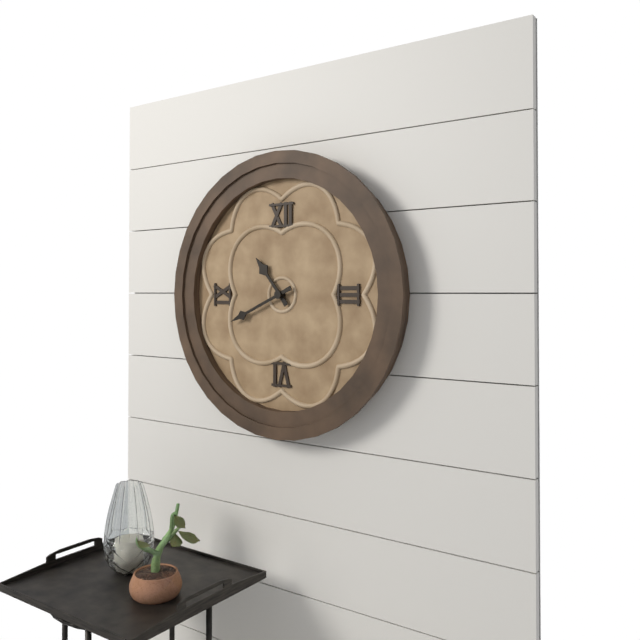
10:41
